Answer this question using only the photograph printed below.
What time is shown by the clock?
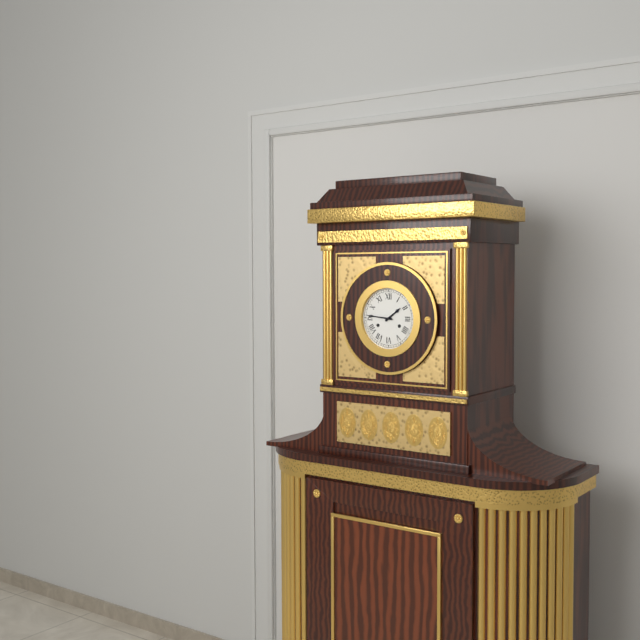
1:46
